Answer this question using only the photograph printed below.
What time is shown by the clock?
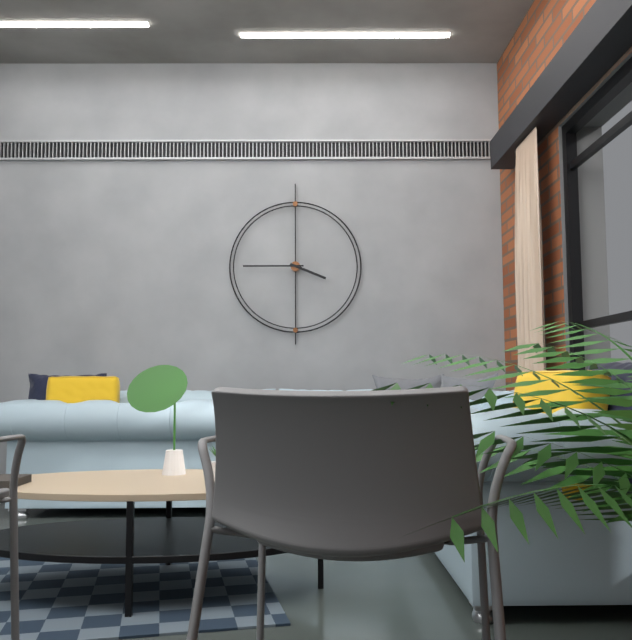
3:45
